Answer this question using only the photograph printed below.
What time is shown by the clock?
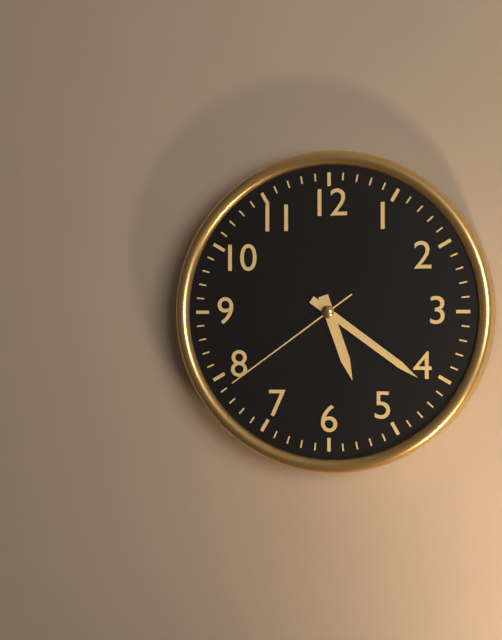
5:21:39
